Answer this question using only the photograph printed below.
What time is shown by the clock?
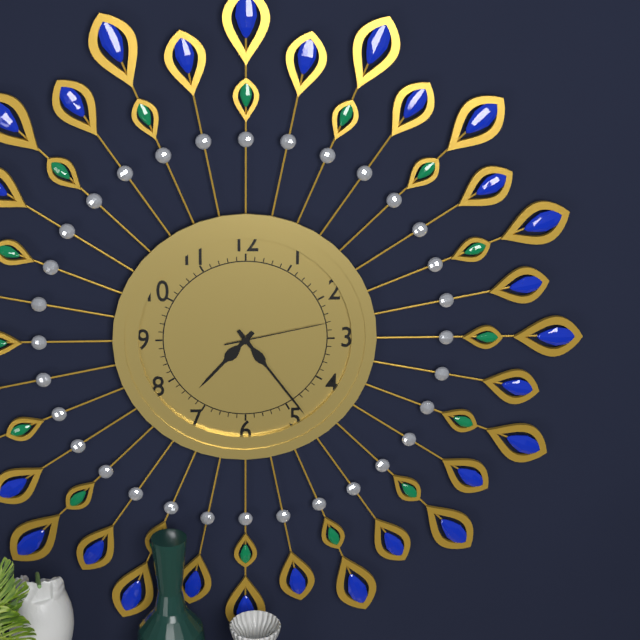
7:24:13
